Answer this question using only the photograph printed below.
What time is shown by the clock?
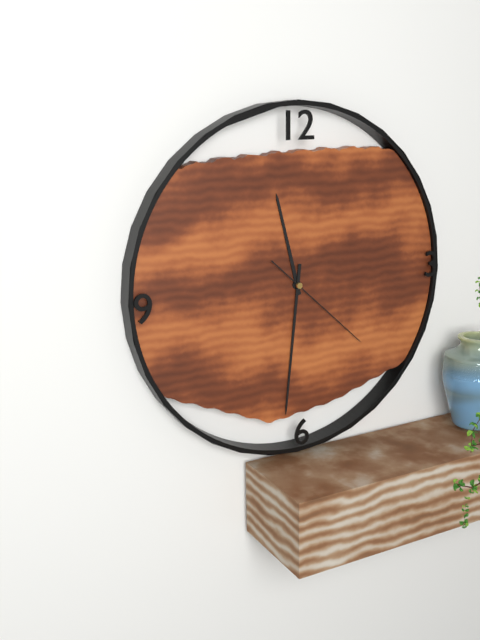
11:31:22
